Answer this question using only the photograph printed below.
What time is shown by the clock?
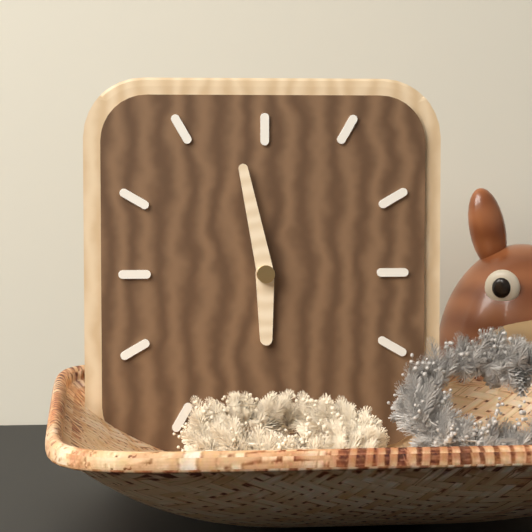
5:58
